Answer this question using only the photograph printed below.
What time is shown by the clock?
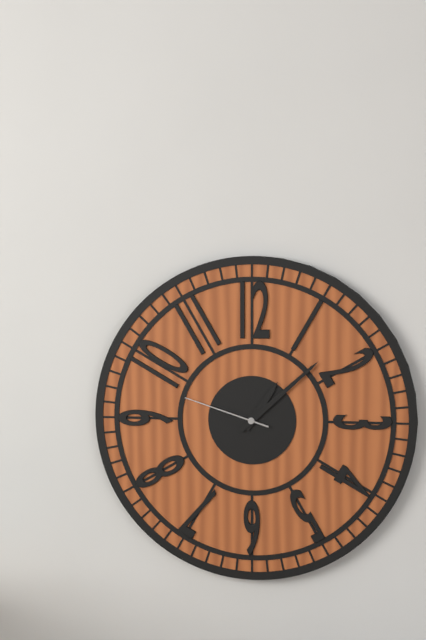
1:08:48
